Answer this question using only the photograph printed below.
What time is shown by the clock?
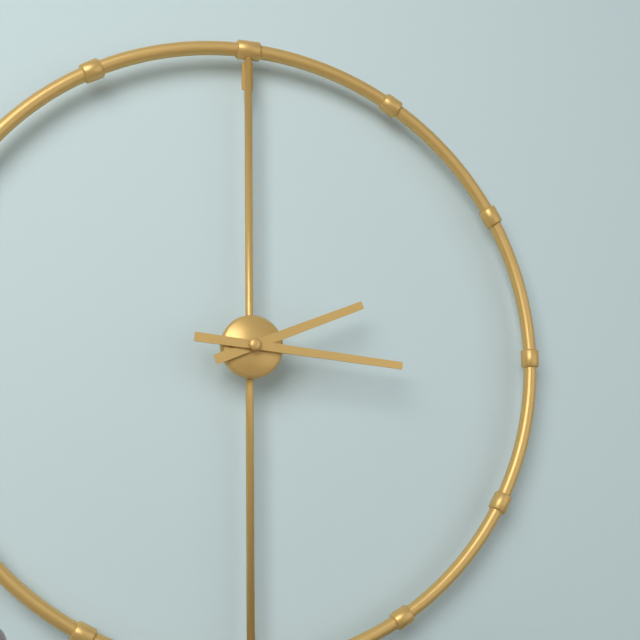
2:16
